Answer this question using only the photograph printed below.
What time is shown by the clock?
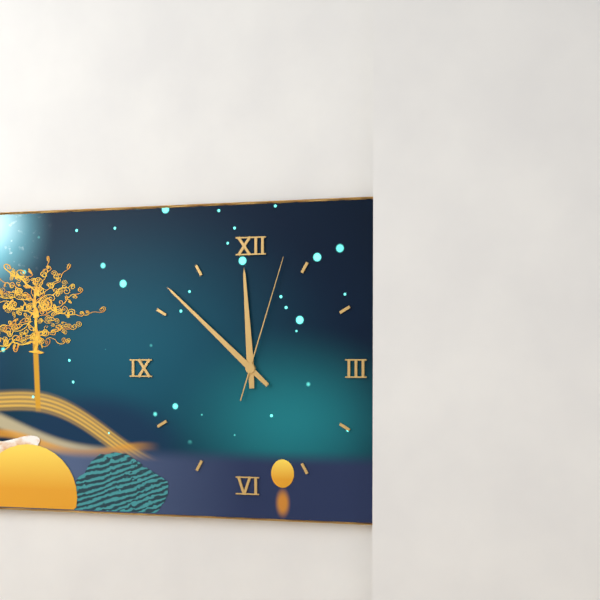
11:52:03
